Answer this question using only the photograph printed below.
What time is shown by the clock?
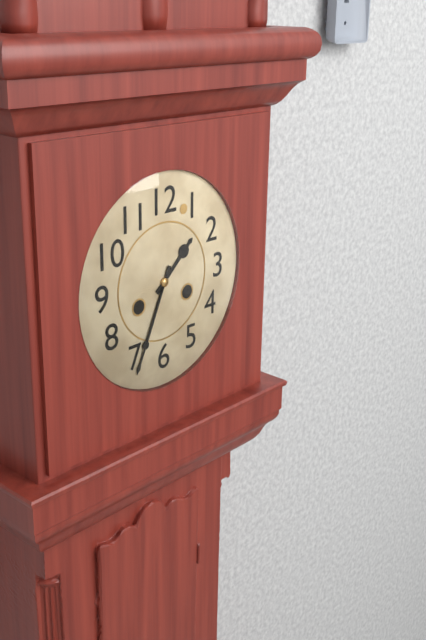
1:34
